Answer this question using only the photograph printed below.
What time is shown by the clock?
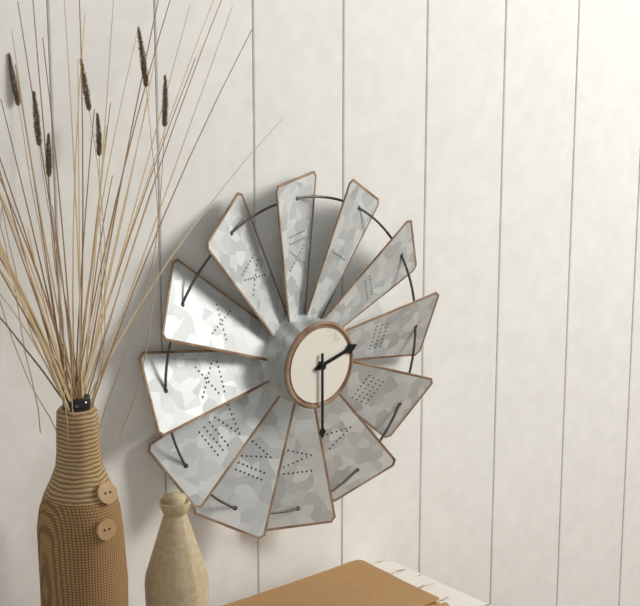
2:30
